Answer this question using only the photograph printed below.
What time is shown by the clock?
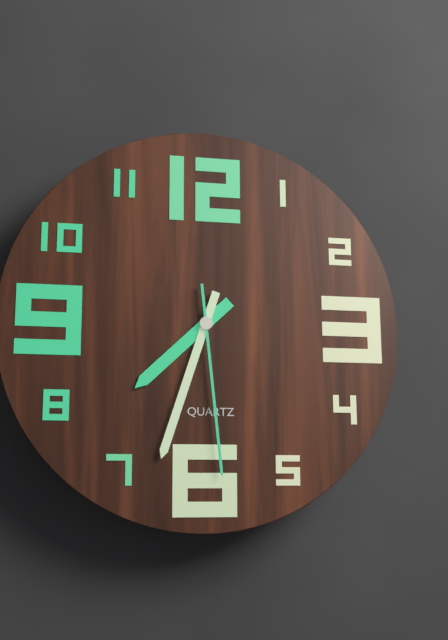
7:33:29
